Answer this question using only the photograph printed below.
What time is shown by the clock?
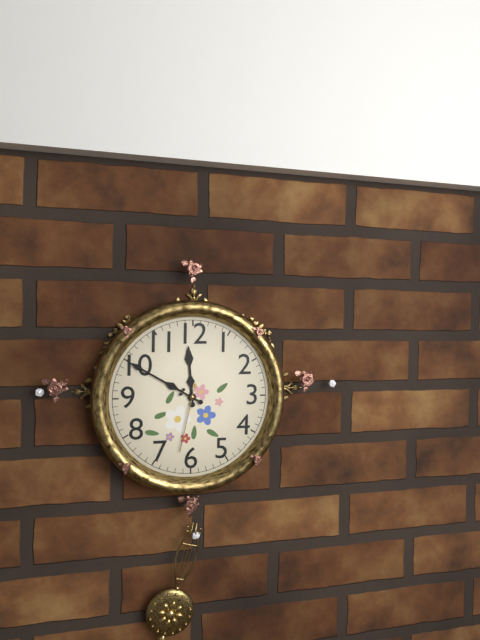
11:50:32
